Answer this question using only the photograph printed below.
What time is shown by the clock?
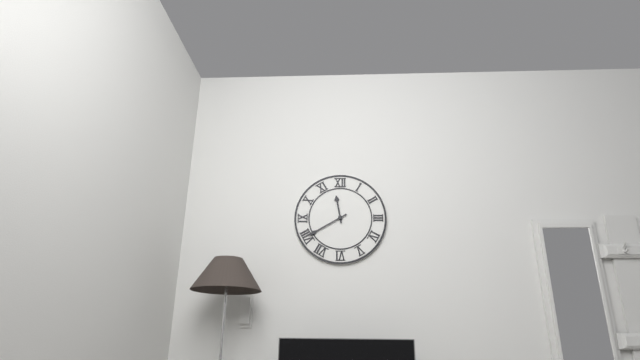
11:40
